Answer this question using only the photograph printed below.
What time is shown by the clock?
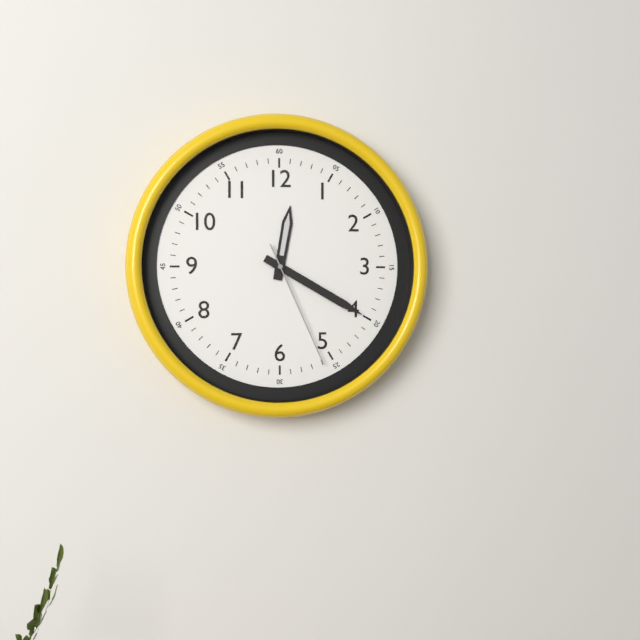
12:20:26
